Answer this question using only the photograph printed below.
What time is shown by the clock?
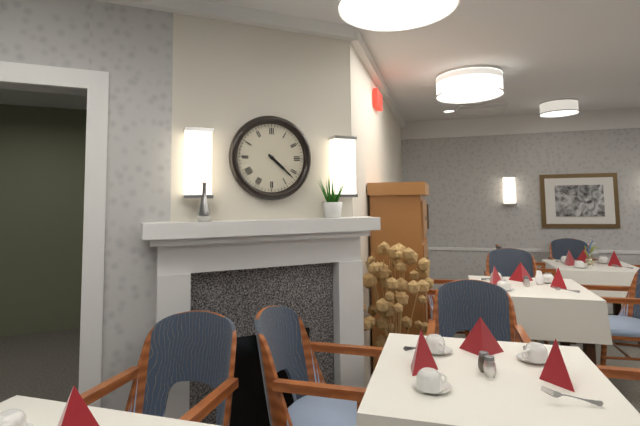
4:22
